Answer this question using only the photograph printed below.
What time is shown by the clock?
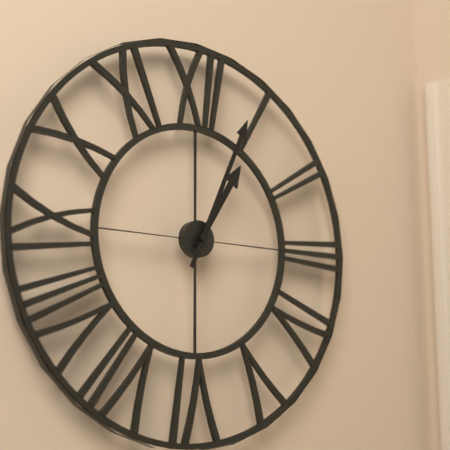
1:04
